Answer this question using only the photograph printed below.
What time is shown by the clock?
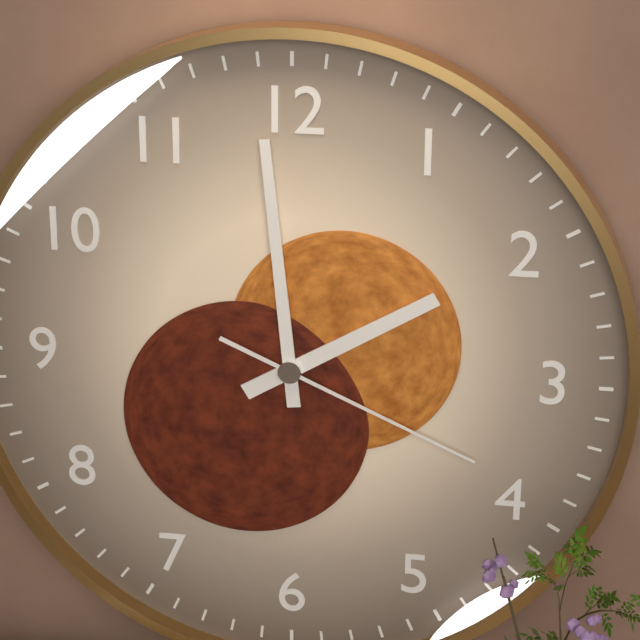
1:59:19
